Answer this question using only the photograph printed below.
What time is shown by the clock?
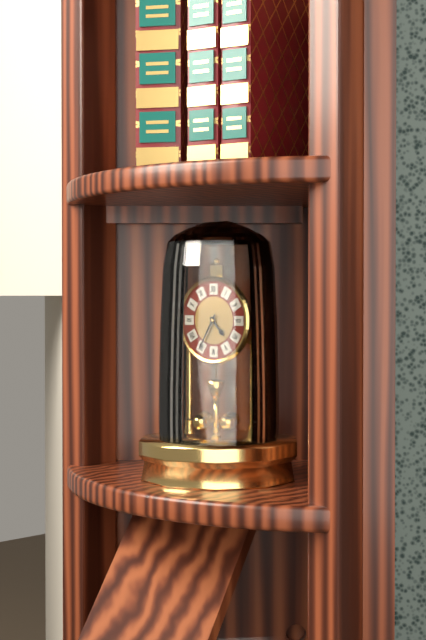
4:35
